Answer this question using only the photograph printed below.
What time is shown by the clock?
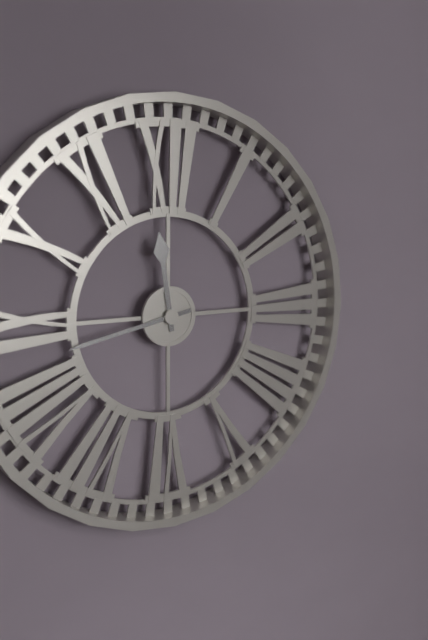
11:43
